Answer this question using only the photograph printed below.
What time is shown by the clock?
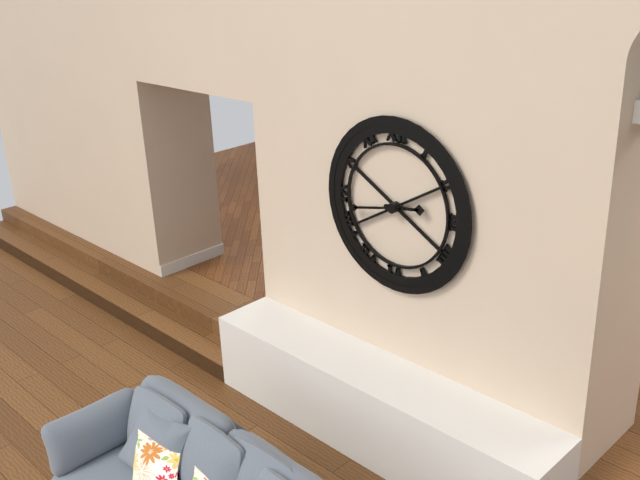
2:43
